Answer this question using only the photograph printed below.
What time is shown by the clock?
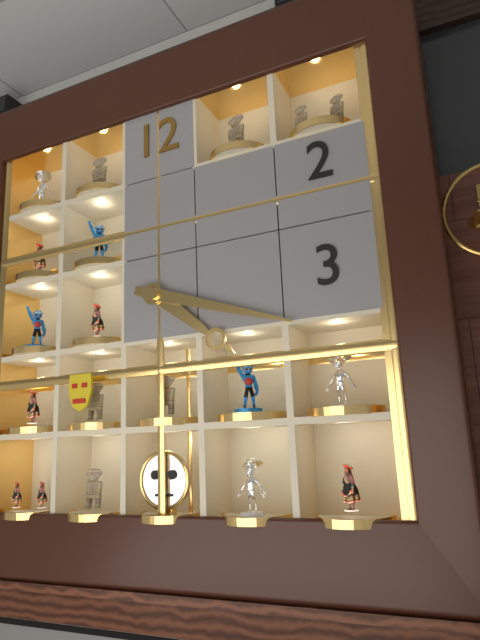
4:18
